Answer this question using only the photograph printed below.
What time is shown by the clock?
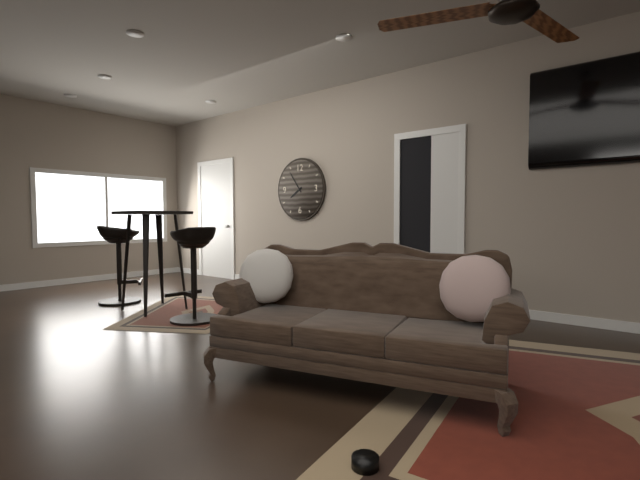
7:54
